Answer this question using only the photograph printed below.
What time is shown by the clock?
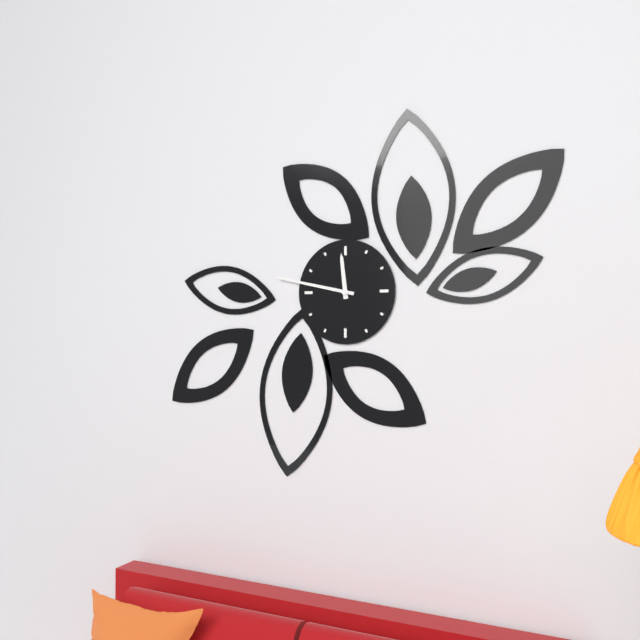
11:47
